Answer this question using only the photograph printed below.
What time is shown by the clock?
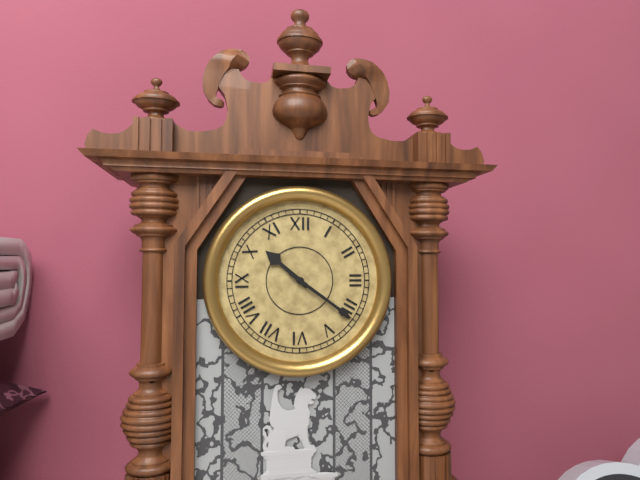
10:21
